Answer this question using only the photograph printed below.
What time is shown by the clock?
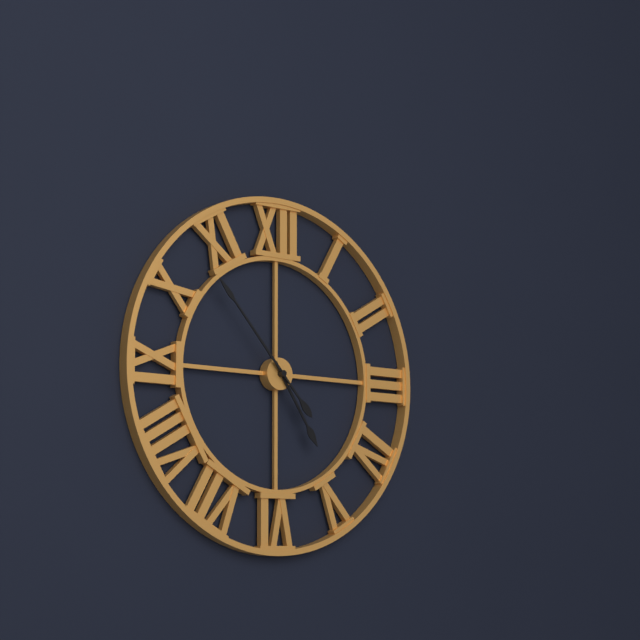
4:53
